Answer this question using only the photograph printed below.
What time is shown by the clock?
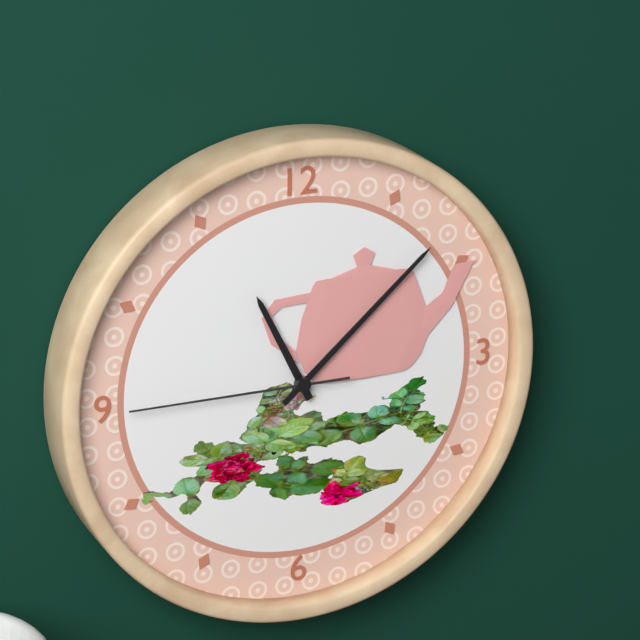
11:08:45
